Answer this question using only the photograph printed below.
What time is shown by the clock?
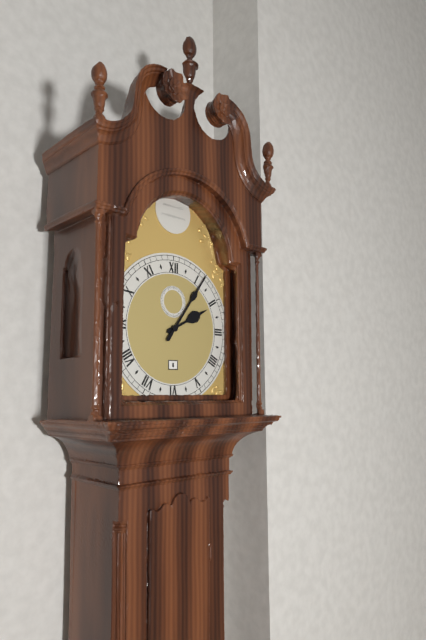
2:06
